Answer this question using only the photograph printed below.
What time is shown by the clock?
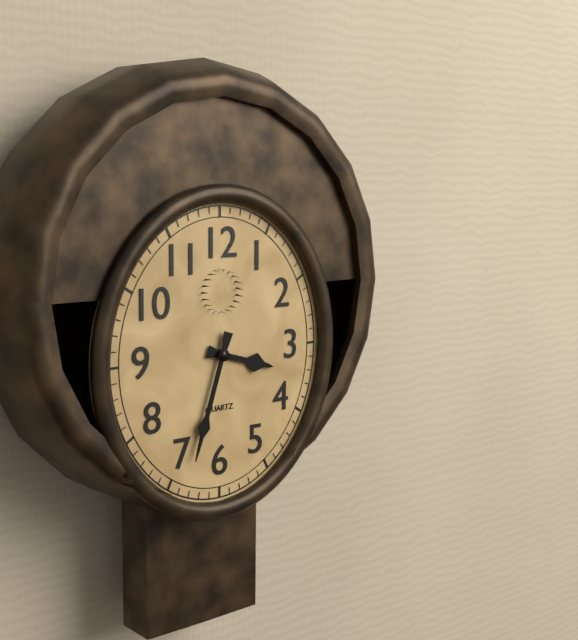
3:33
